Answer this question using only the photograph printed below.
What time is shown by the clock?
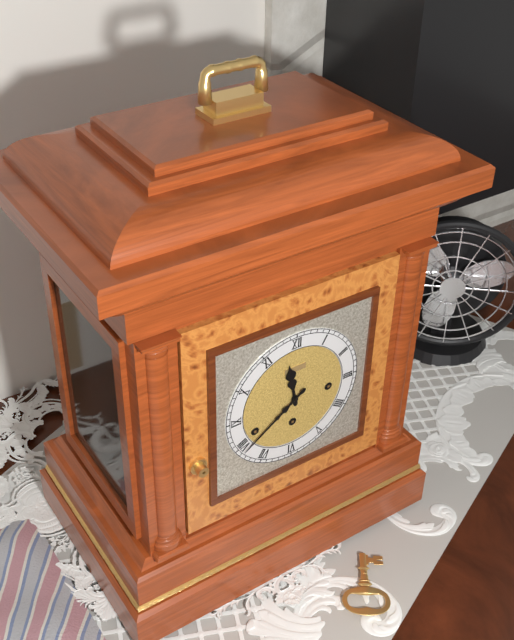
11:39
